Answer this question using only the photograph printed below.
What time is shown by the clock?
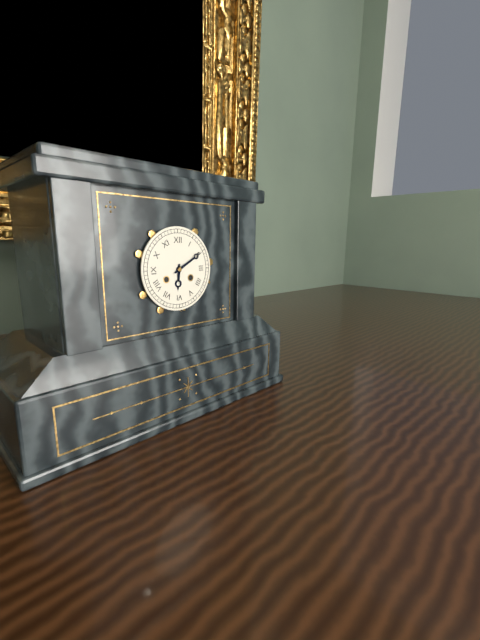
6:10
